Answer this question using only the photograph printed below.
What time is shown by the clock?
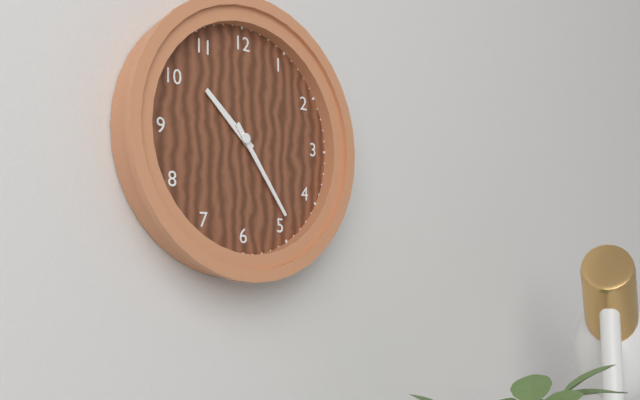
10:24
